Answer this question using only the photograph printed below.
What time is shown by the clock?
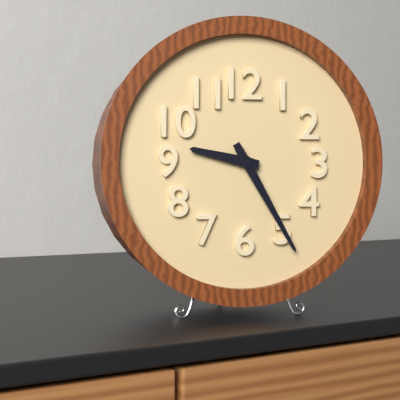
9:25
